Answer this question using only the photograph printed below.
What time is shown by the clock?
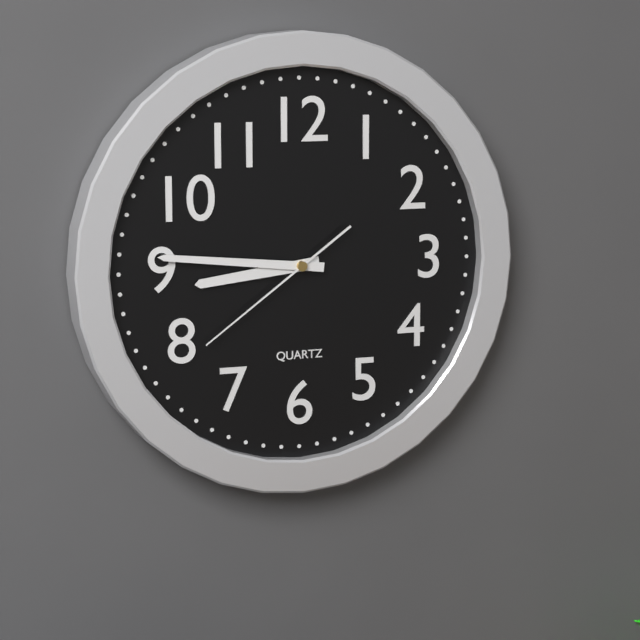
8:46:39
